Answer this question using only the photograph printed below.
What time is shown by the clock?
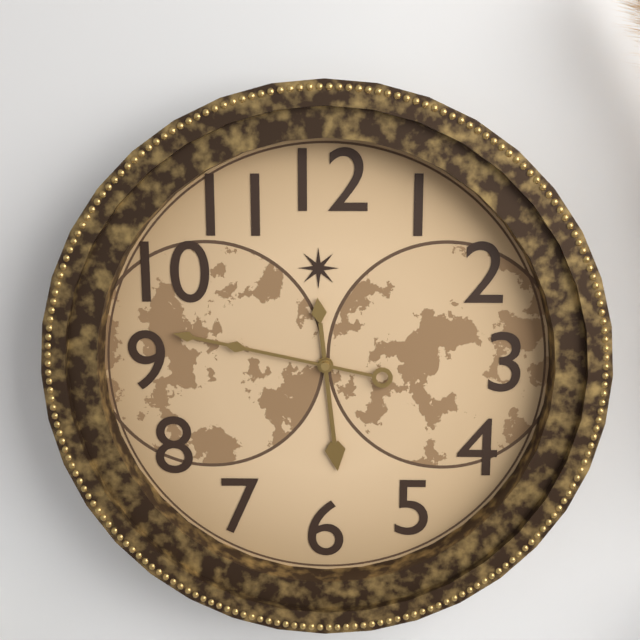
5:47
